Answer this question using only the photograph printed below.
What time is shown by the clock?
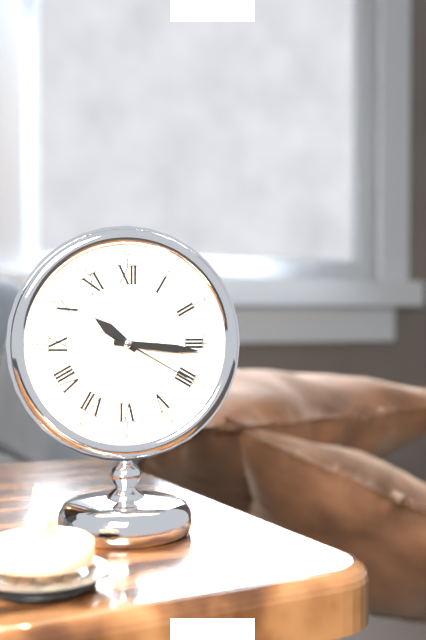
10:16:20
